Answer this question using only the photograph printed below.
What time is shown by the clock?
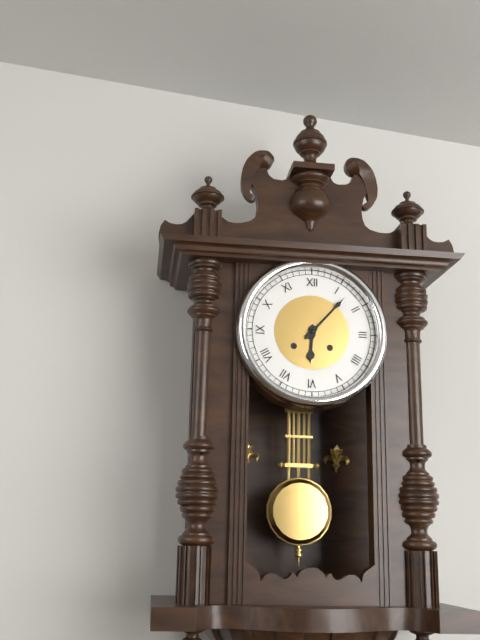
6:07
